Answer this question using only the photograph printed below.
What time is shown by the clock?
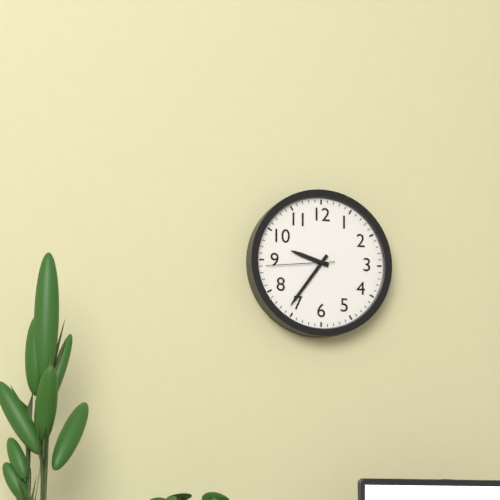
9:36:44
